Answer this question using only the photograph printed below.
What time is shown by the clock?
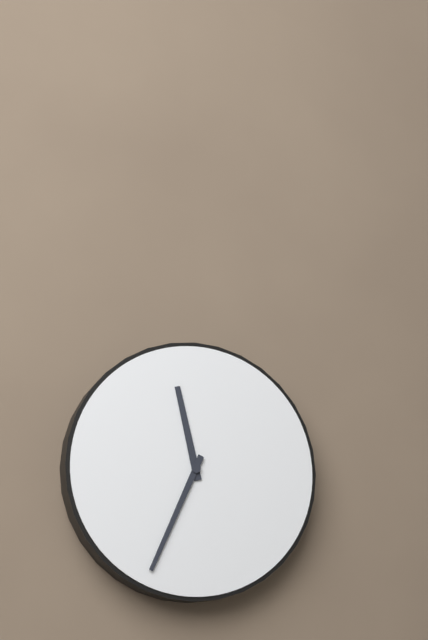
11:34
